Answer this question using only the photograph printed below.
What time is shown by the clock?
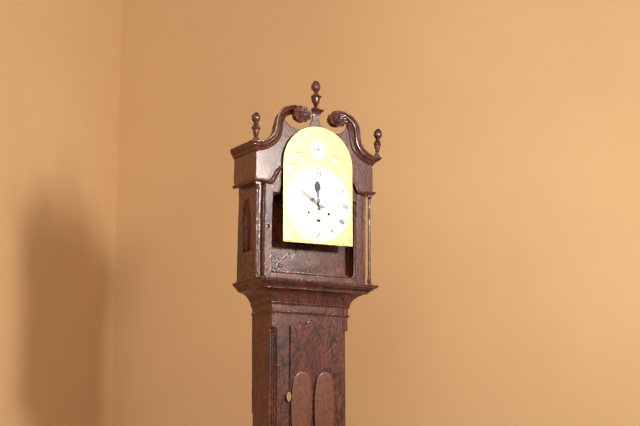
11:50
